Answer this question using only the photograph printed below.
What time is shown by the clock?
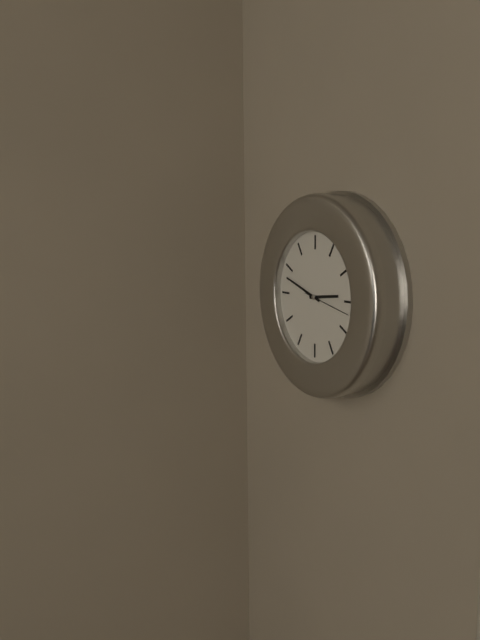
2:48
